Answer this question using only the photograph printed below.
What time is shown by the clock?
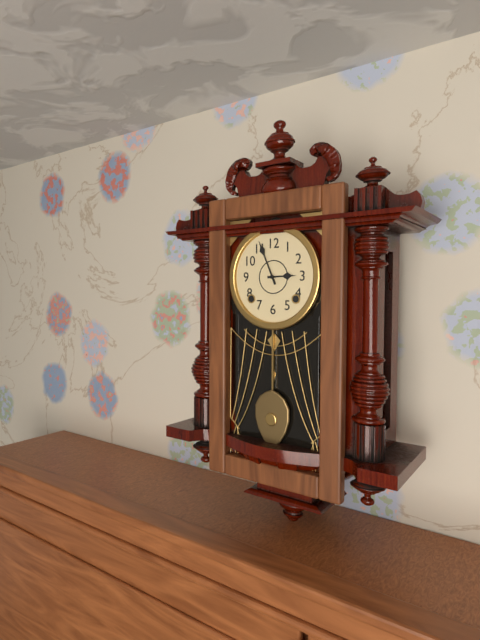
2:56
